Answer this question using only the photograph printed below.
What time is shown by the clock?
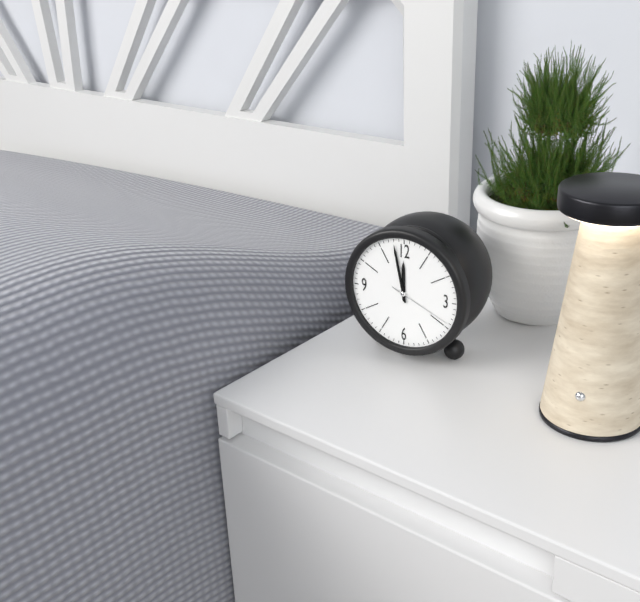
11:58:19
